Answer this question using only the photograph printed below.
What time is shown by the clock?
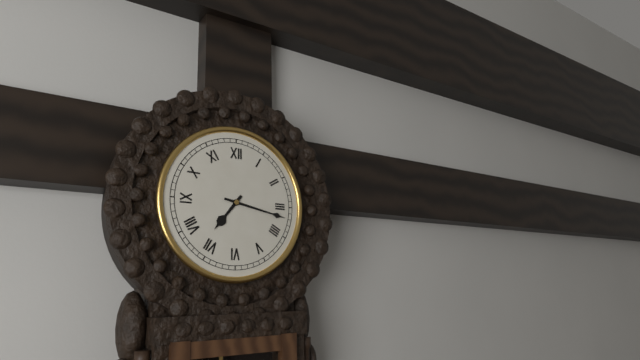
7:17
